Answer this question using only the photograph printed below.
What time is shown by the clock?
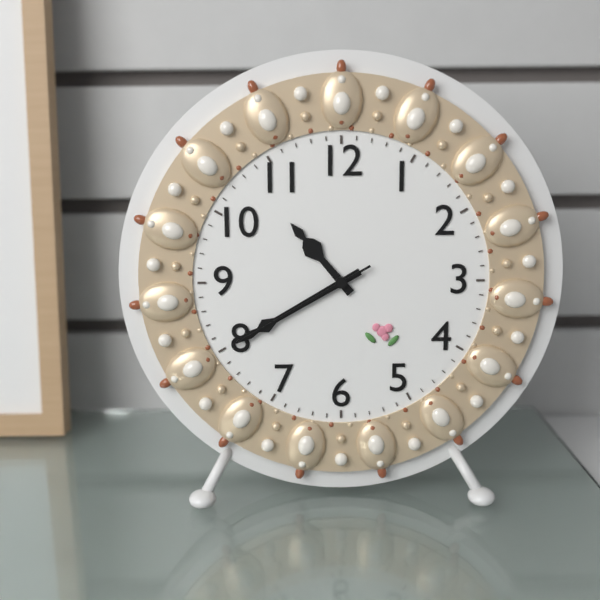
10:40:40
